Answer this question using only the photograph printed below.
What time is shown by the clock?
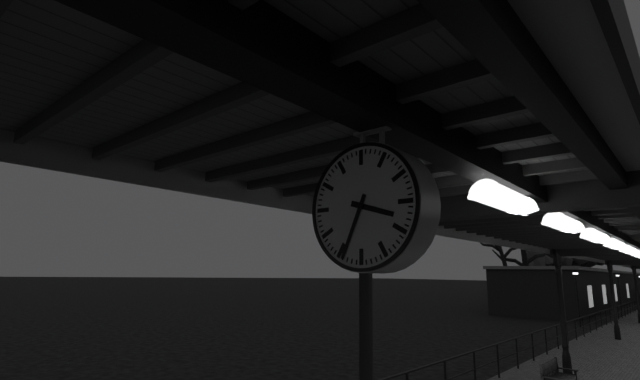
3:34
